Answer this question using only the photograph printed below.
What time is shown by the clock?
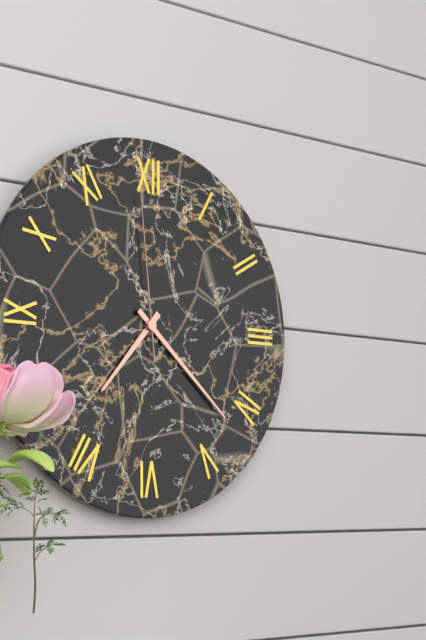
7:22:59
